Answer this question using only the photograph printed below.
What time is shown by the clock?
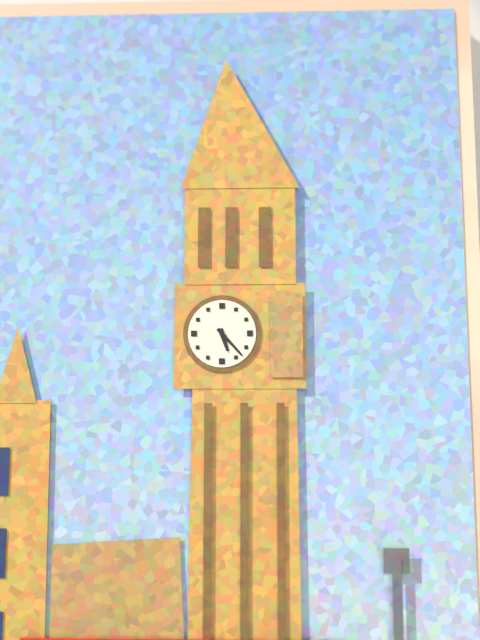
5:23
